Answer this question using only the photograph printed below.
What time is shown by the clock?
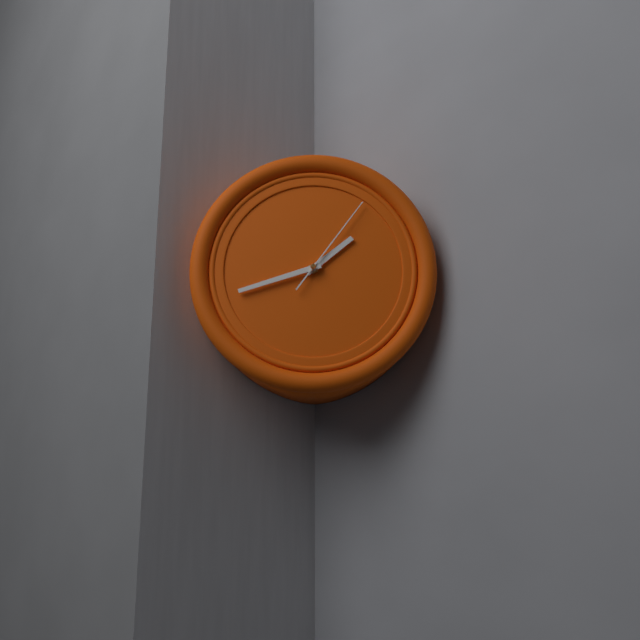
1:42:06
